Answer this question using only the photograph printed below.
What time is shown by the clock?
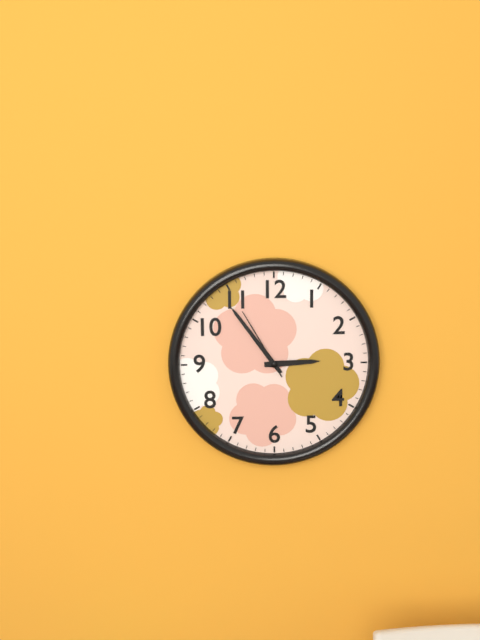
2:54:55
